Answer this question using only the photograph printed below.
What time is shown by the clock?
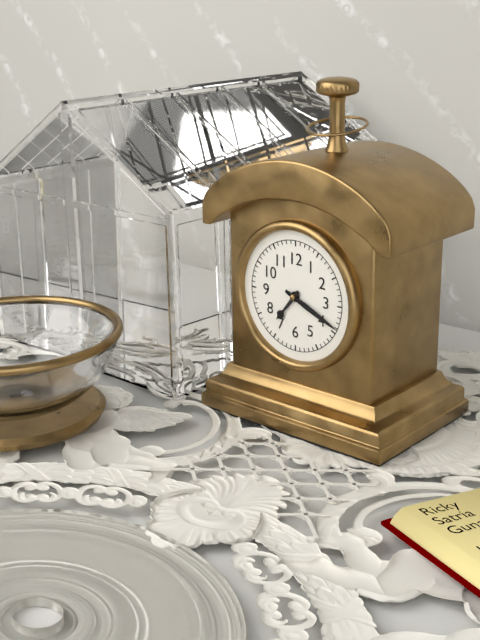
7:19
